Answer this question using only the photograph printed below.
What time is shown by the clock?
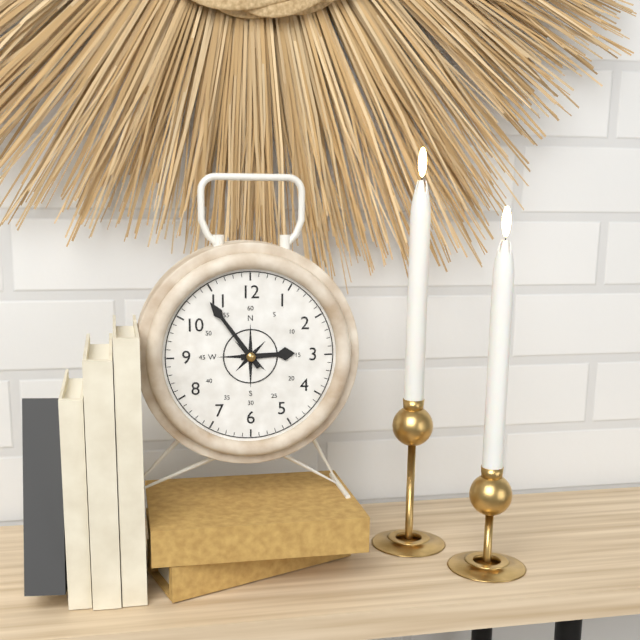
2:54
